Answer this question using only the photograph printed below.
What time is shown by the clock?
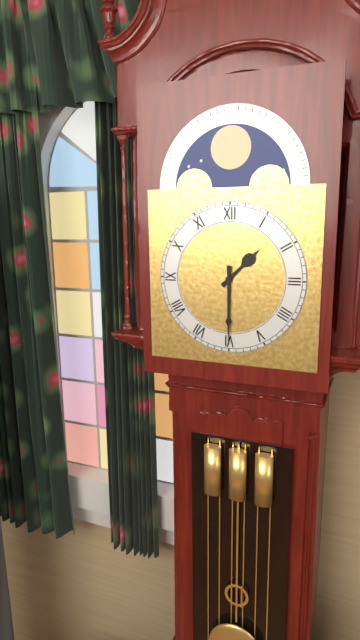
1:30
